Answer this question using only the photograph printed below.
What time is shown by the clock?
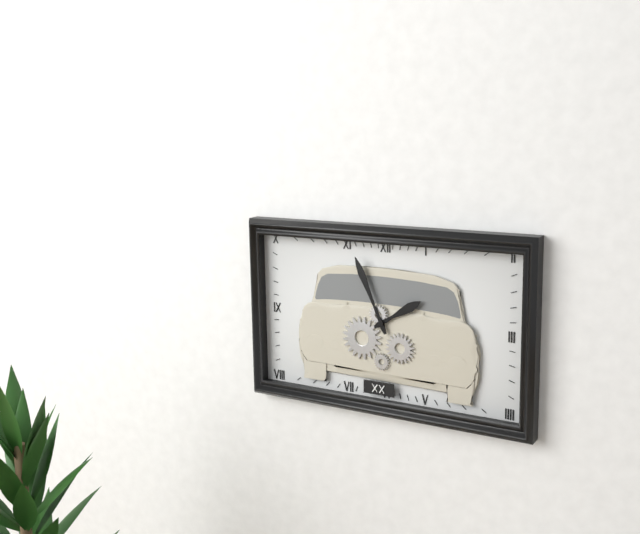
1:56
